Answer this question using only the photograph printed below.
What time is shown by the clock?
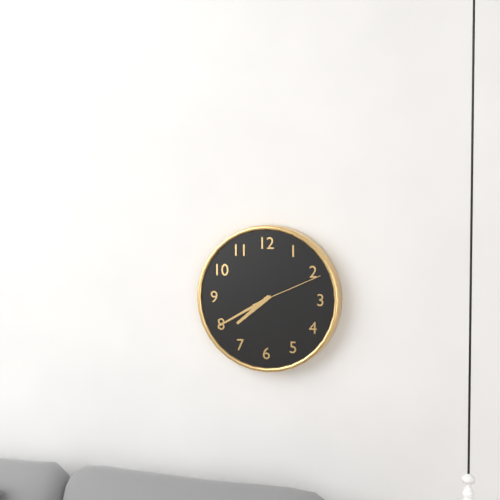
7:40:11
